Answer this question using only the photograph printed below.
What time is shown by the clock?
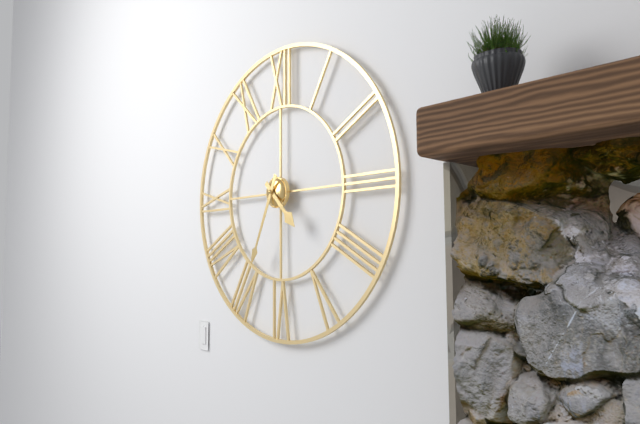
4:34
